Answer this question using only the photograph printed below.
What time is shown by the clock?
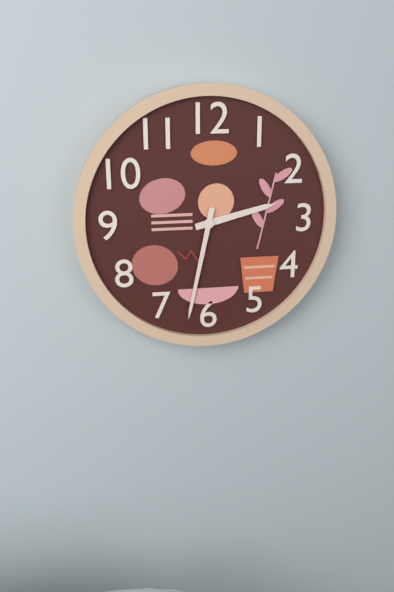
2:32
